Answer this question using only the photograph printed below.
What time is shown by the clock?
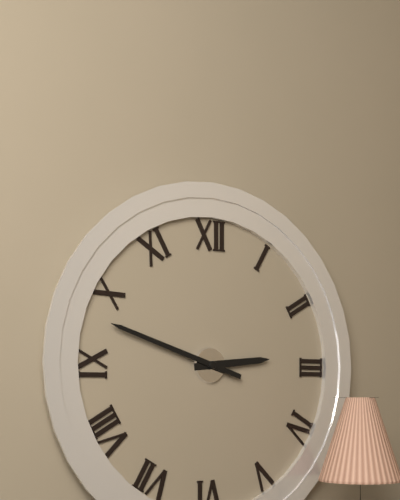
2:48
